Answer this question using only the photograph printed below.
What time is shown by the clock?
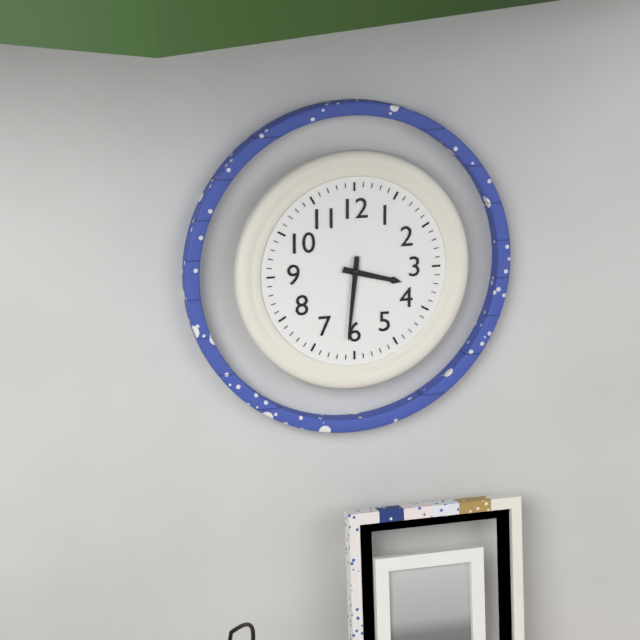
3:31
